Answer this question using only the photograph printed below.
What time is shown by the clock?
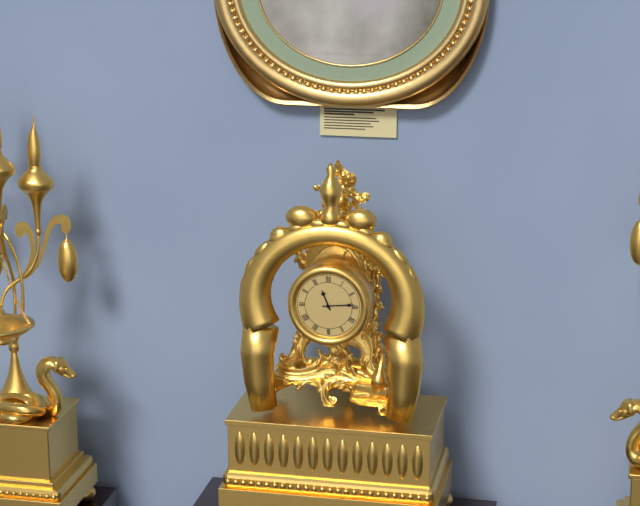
11:14
